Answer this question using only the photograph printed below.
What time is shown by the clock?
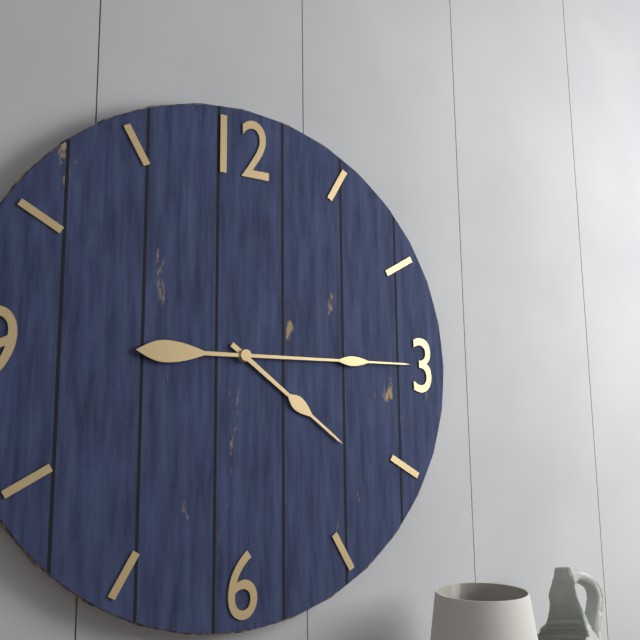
4:15
